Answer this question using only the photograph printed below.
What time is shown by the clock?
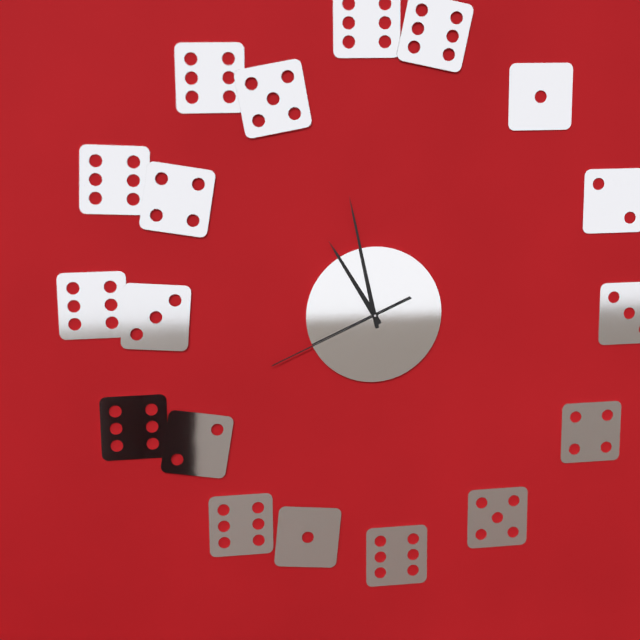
10:58:41
